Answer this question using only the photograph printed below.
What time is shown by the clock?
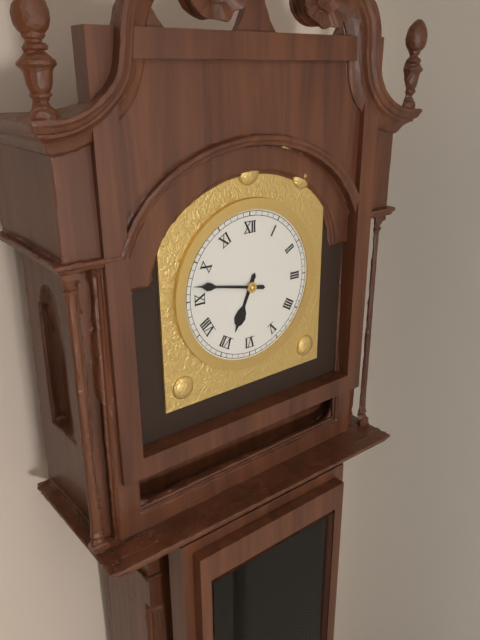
6:47
